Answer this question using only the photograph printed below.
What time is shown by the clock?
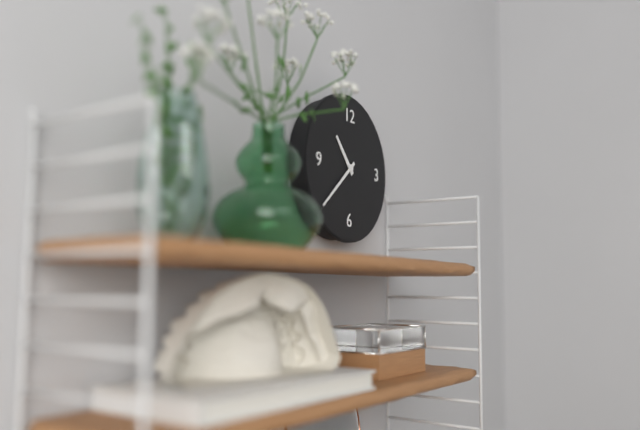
10:38
